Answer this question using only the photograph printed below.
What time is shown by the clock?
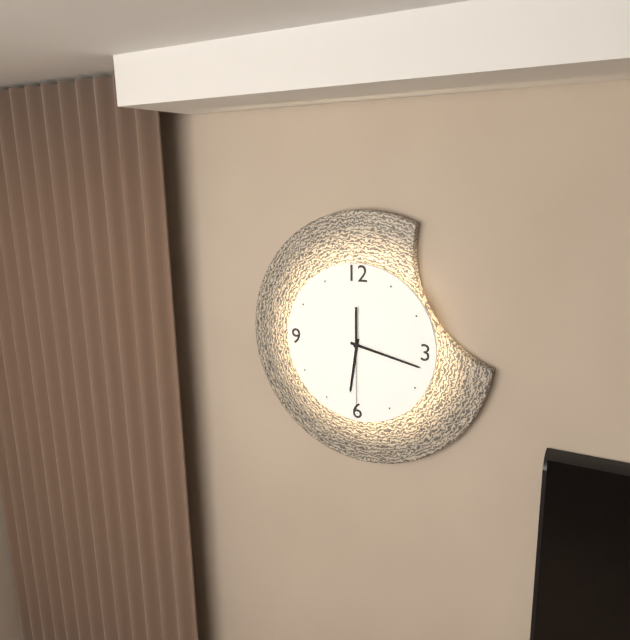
6:17:30
